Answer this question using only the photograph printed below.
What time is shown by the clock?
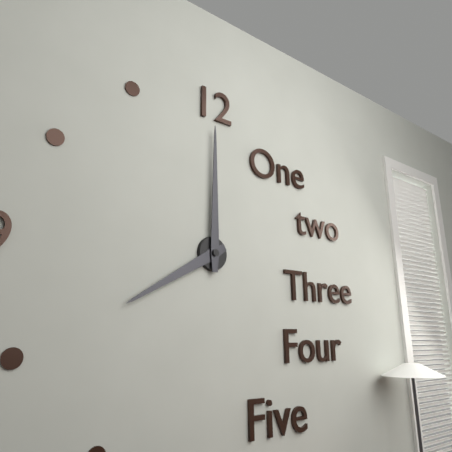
8:00
